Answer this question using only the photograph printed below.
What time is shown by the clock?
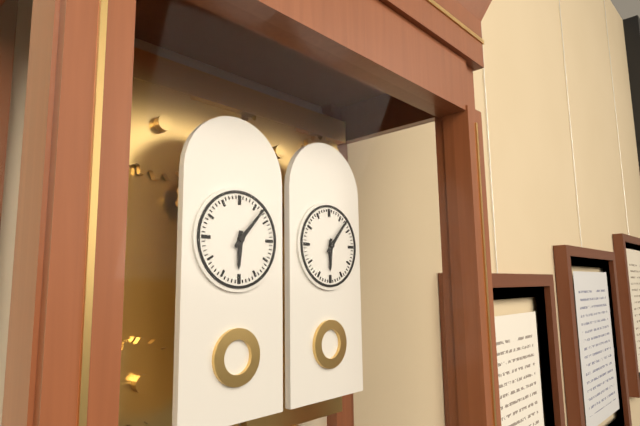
6:07
